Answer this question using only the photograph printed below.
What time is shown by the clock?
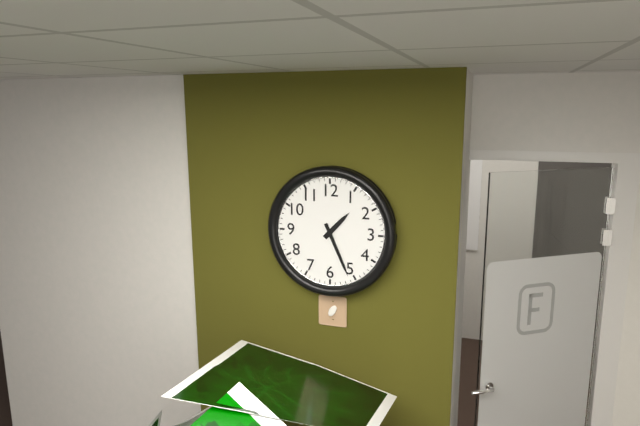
1:26
